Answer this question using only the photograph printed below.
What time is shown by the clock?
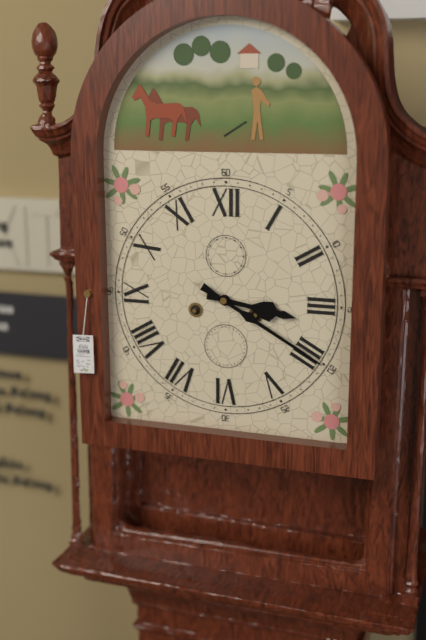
3:20
